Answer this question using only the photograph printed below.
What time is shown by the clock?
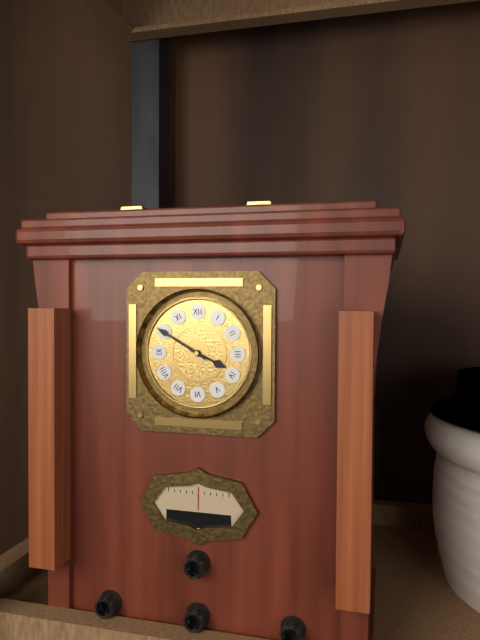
3:50
